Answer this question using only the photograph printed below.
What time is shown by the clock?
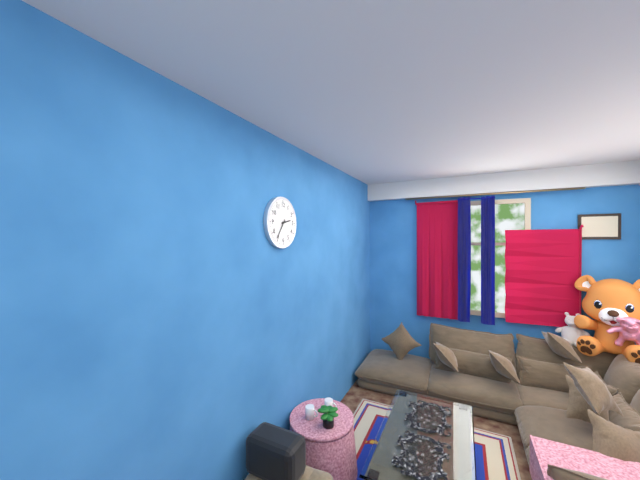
2:36
